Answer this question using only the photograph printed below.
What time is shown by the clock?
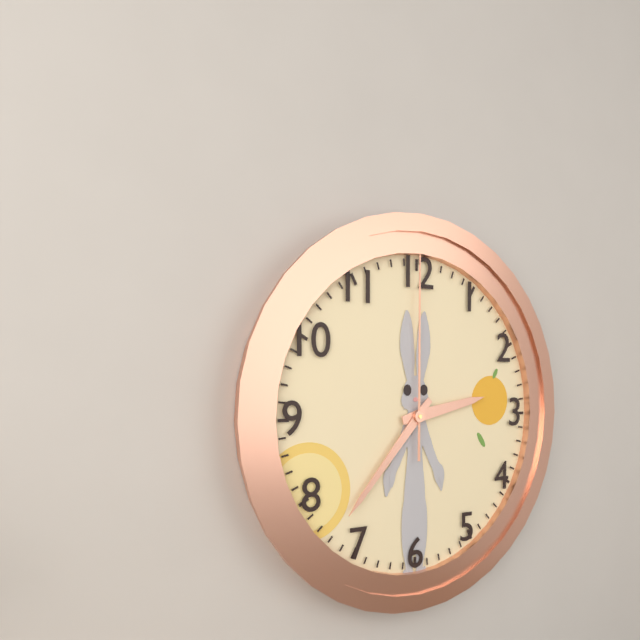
2:37:00
